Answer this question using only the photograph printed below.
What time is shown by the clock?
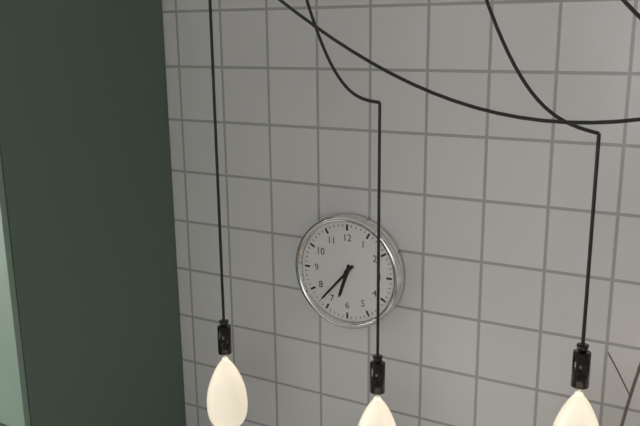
6:37
